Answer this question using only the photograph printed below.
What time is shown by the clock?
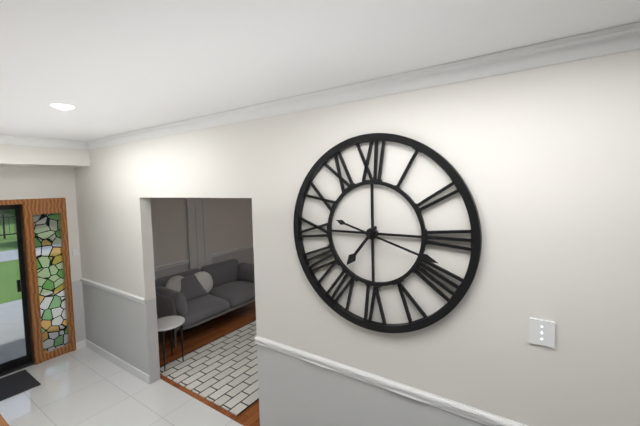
7:18
